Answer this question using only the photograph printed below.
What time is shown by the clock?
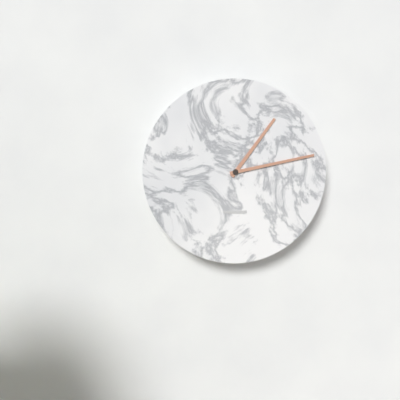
1:13
